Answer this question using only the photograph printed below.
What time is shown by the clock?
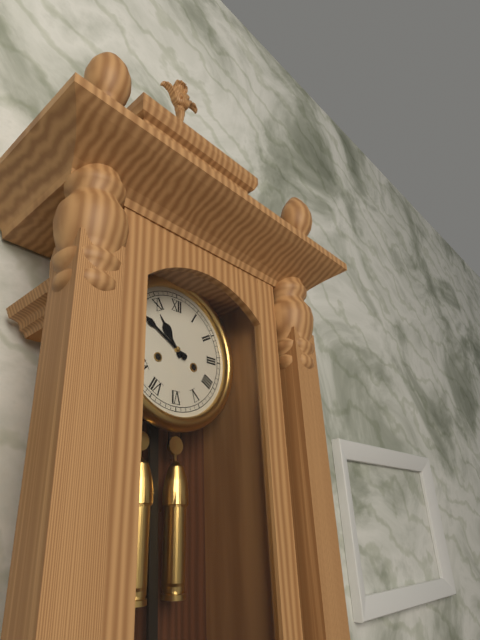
10:50
